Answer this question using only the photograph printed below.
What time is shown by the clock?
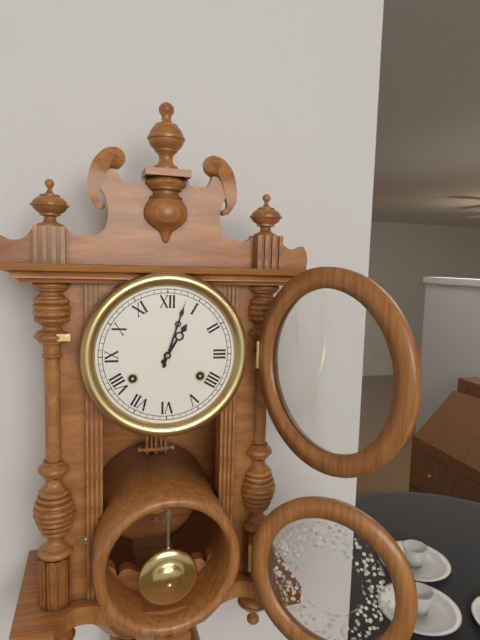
1:03
